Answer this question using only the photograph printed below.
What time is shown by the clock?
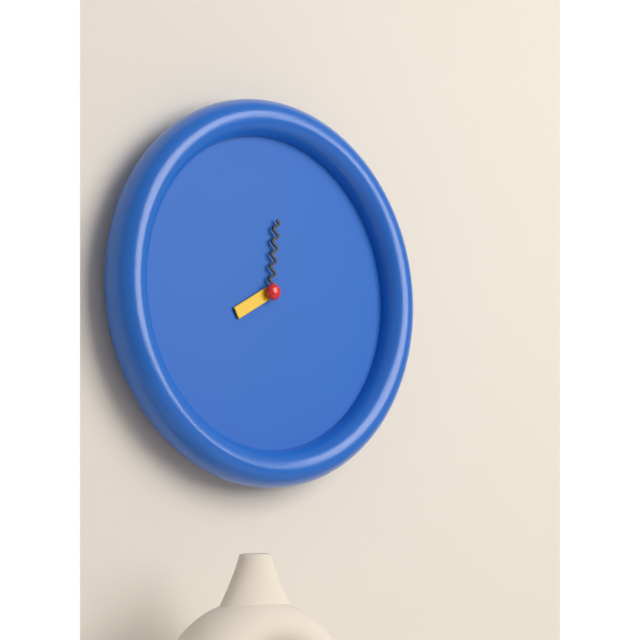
8:01
